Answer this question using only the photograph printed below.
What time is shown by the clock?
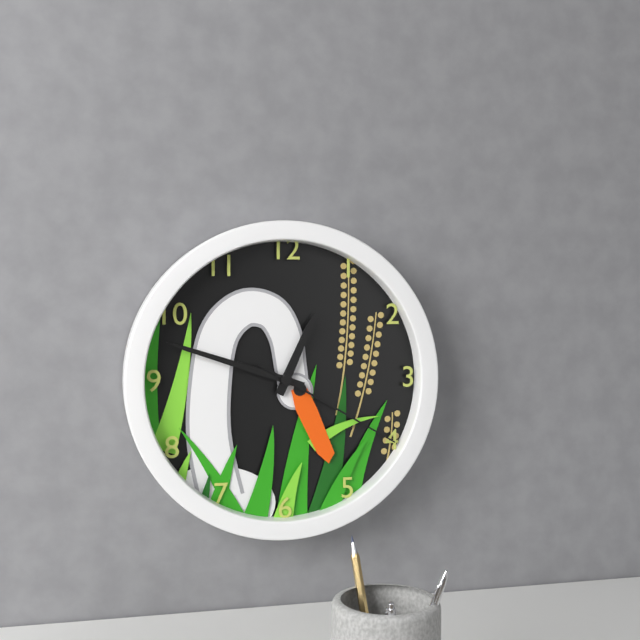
12:48:20
